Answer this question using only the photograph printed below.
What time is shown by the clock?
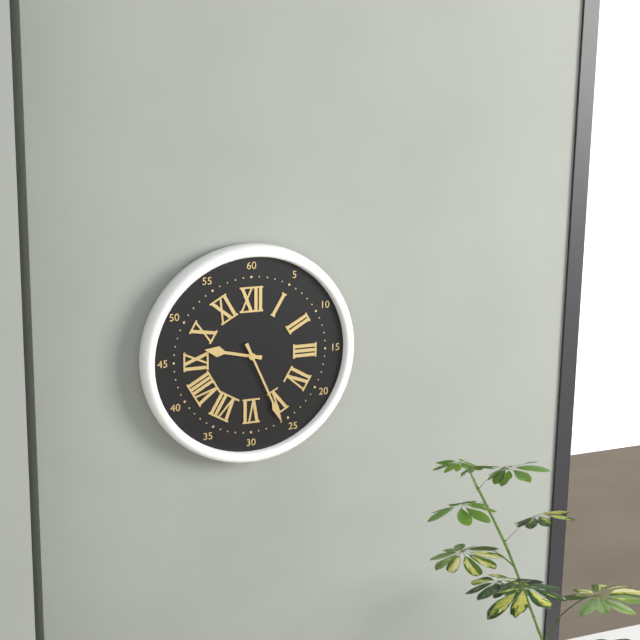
9:26
